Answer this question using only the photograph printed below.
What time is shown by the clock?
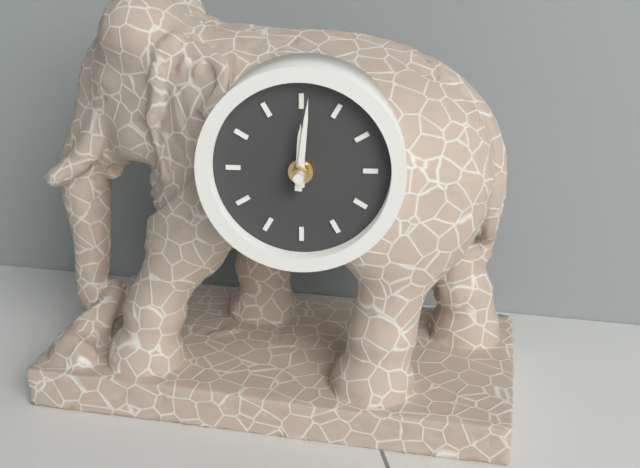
12:01
